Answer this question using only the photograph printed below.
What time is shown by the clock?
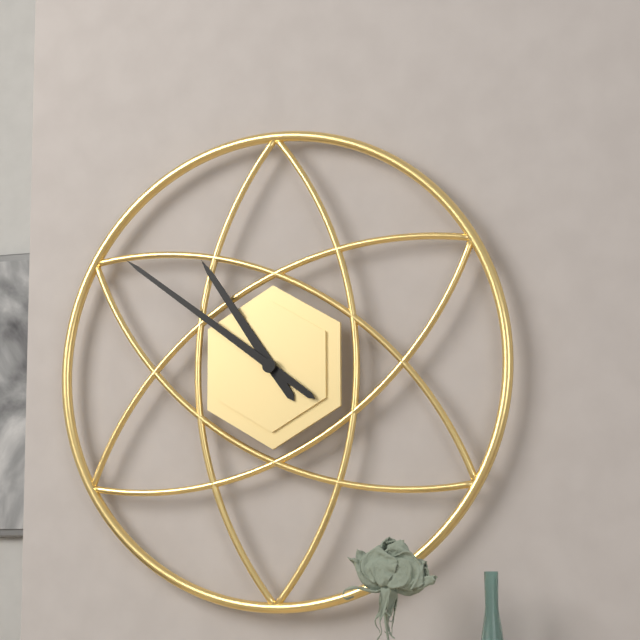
10:51
